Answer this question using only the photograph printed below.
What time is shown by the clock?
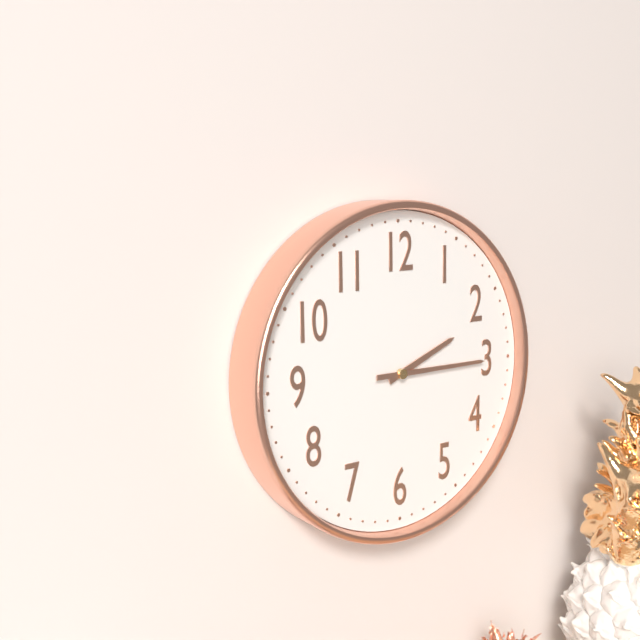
2:15
